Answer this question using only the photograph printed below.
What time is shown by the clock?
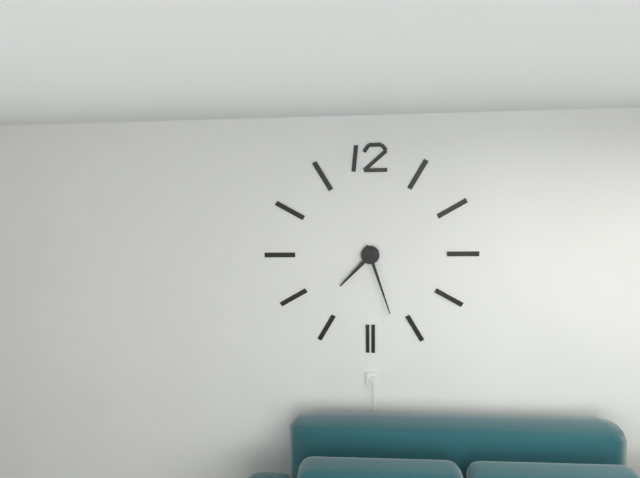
7:27
